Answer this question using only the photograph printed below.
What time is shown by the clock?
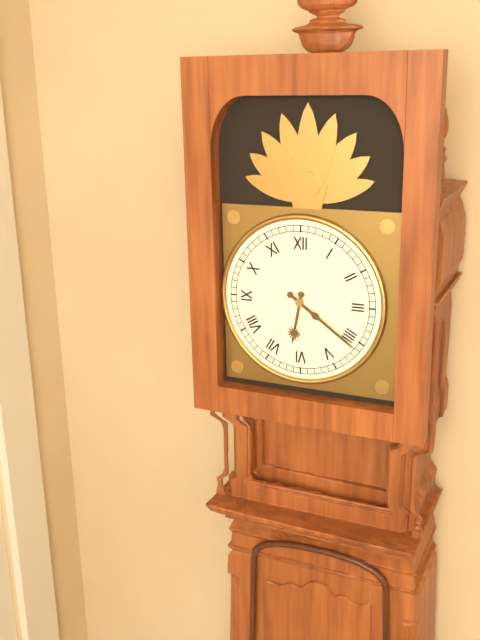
6:21
